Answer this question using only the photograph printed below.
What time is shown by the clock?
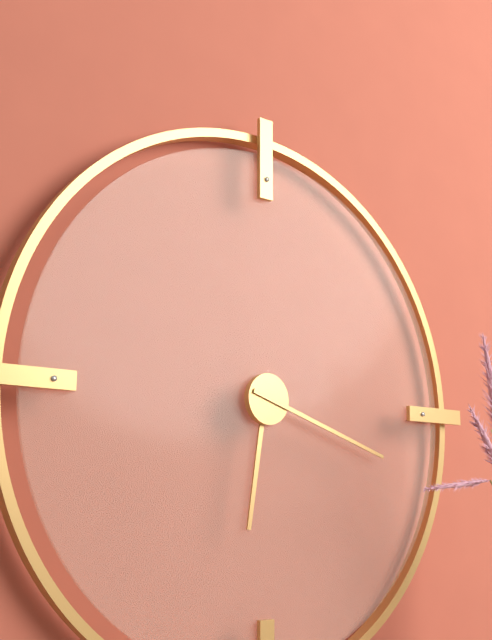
6:18
